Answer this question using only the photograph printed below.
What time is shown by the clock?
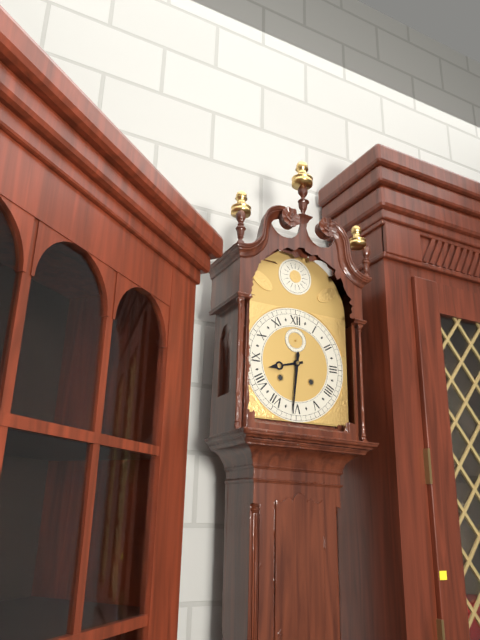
8:31
